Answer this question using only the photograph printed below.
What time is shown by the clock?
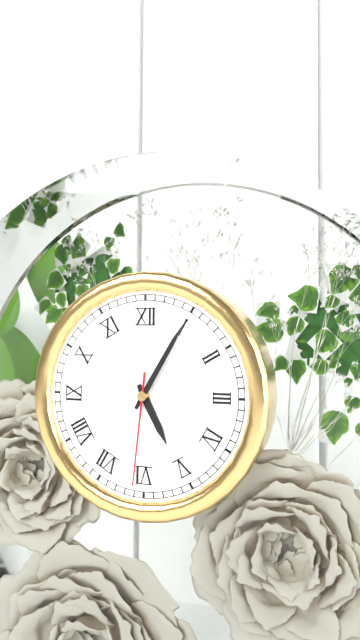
5:05:31
